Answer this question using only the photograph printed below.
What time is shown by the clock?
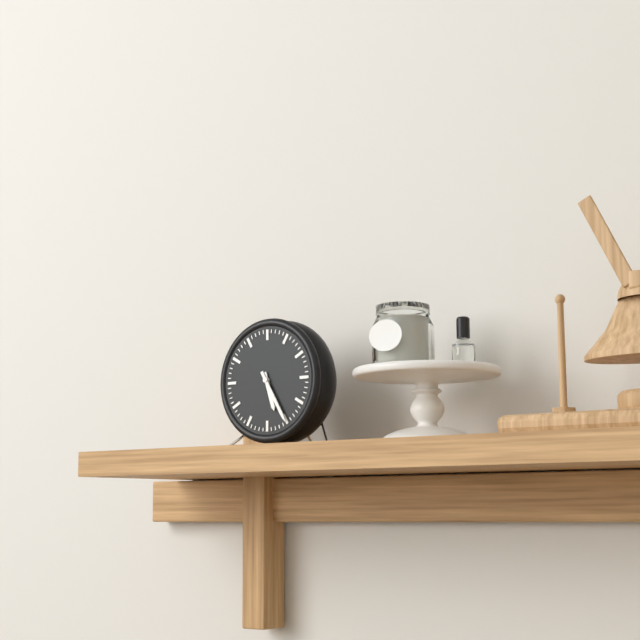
5:25
